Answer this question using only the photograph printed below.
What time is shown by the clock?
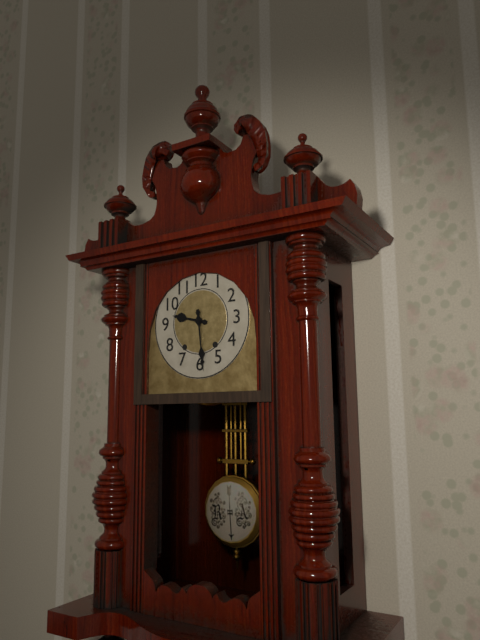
9:29
